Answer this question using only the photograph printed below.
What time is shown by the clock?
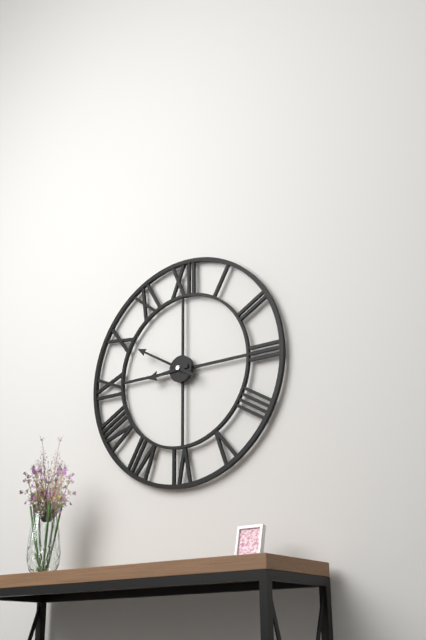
8:50
